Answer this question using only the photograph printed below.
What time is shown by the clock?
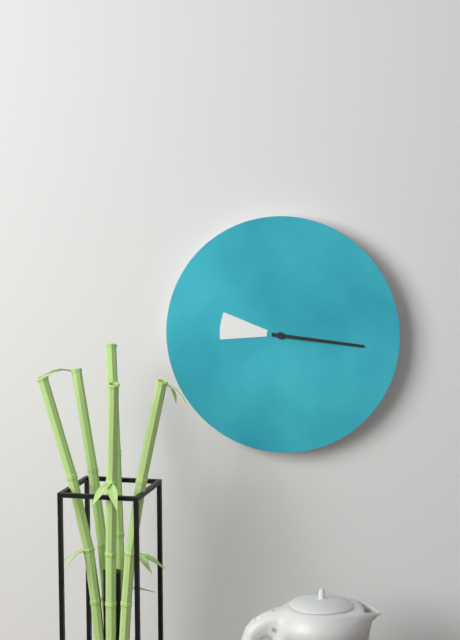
9:16
